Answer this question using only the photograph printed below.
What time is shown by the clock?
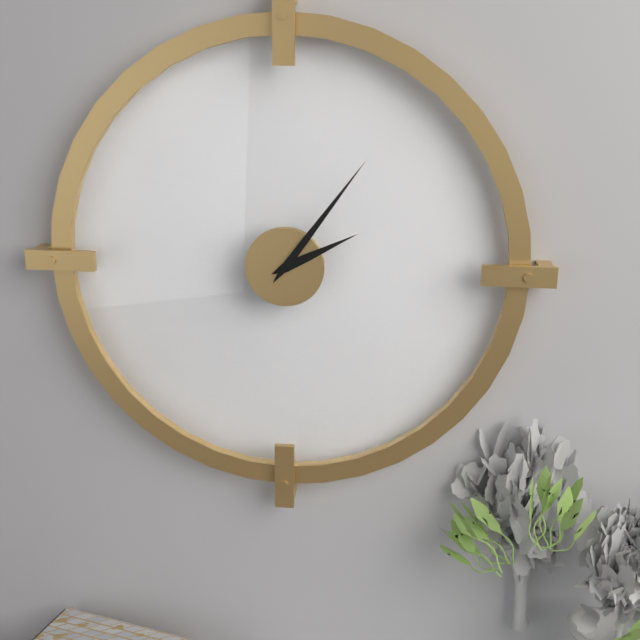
2:06
